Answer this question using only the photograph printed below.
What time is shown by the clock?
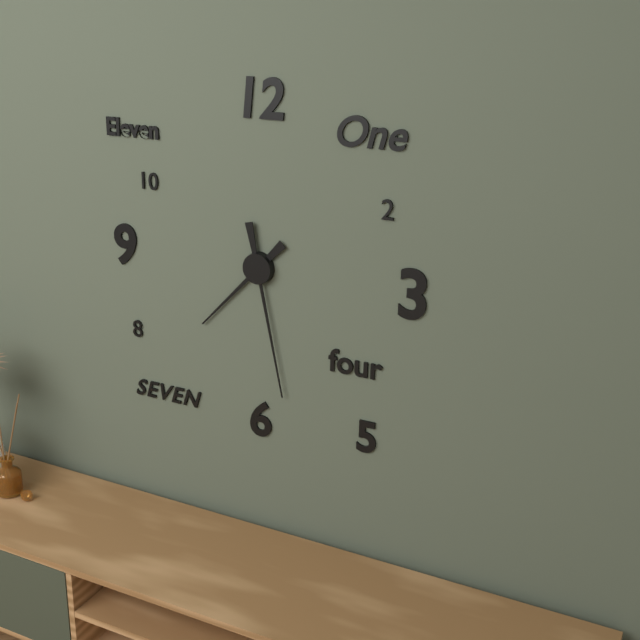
7:28
